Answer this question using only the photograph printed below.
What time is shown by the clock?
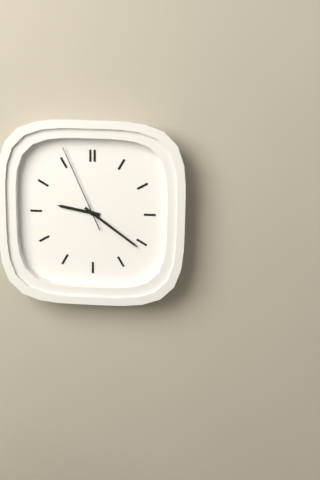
9:21:56
